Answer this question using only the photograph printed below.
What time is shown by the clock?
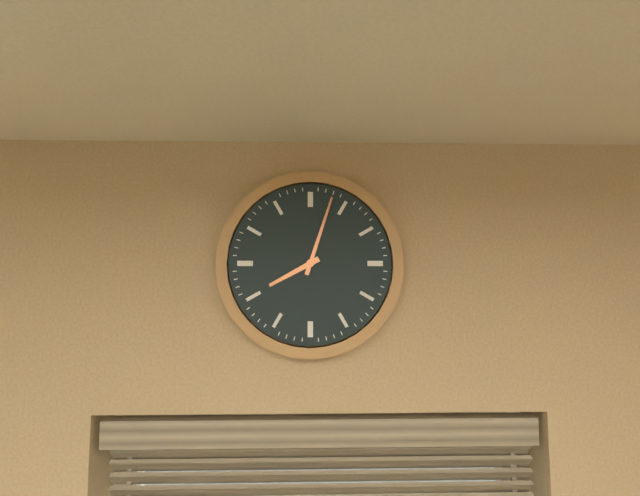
8:03
